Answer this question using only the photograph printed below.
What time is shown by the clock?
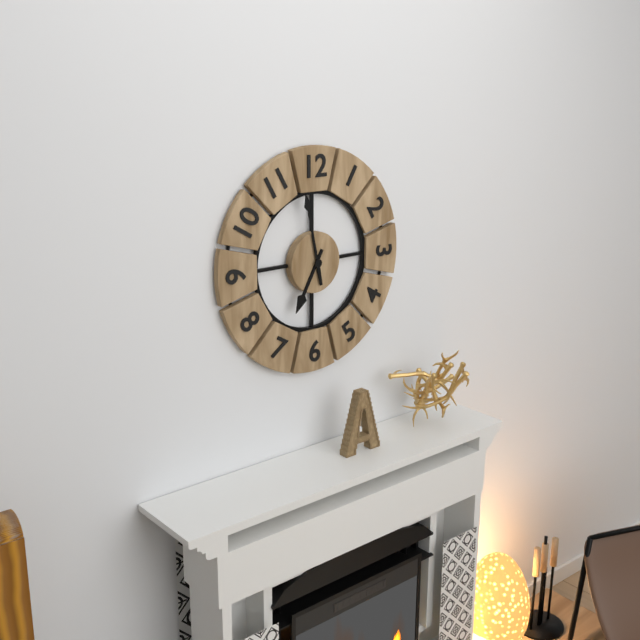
6:58
